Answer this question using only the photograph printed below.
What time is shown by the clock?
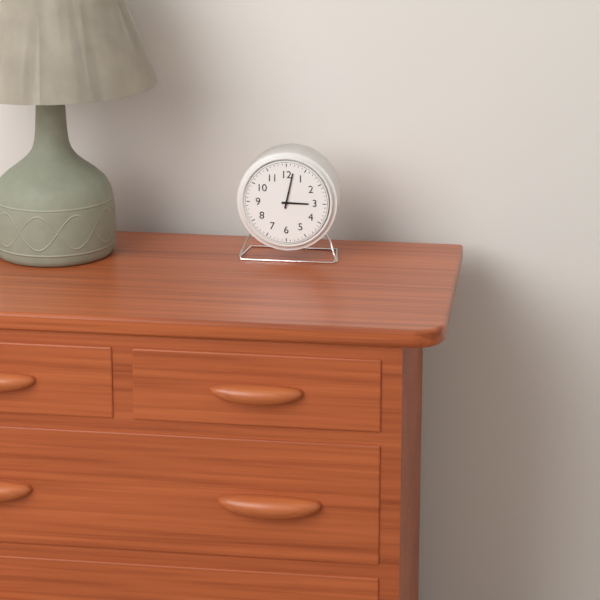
3:02
